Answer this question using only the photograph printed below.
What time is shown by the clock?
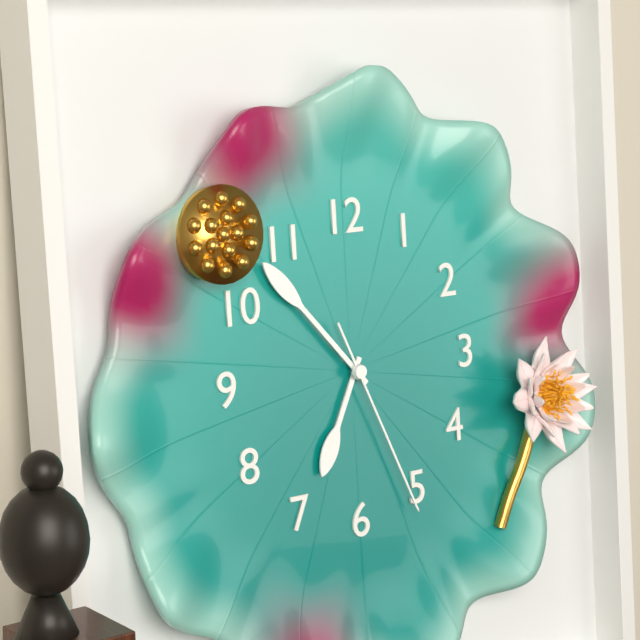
6:53:26
